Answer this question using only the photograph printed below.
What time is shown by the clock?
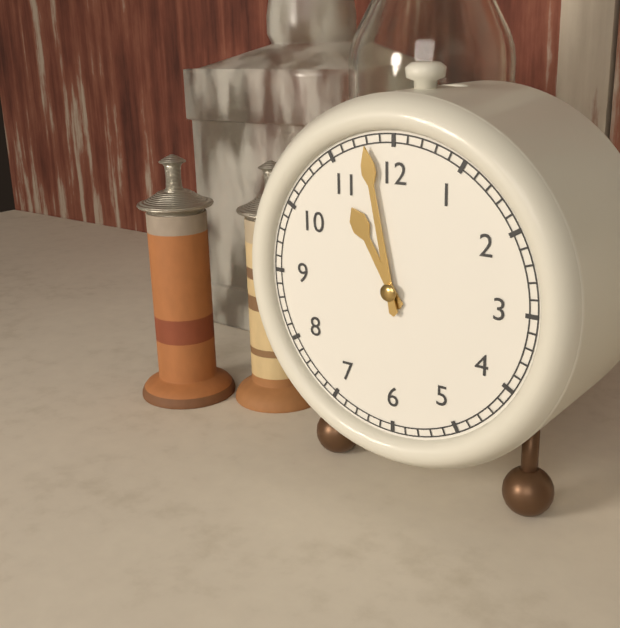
10:58
